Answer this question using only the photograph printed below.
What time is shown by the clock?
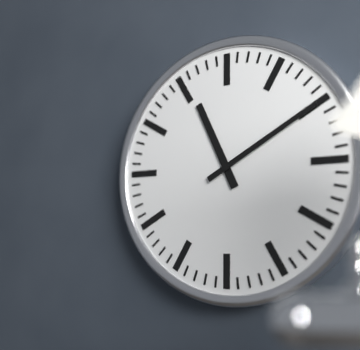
11:10
